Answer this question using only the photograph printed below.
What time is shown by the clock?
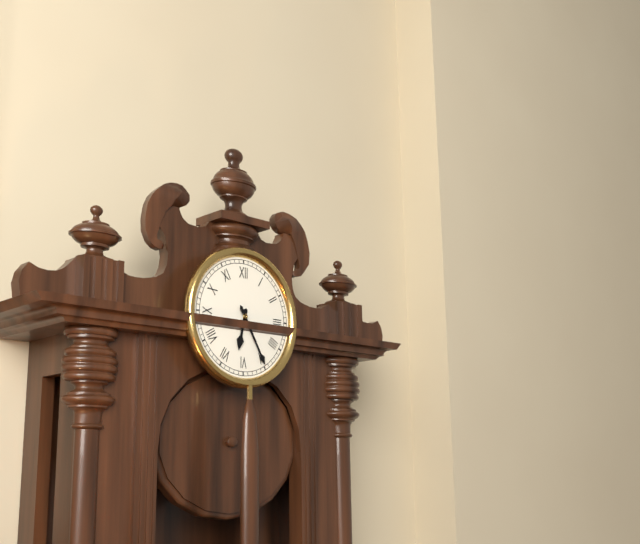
6:25
